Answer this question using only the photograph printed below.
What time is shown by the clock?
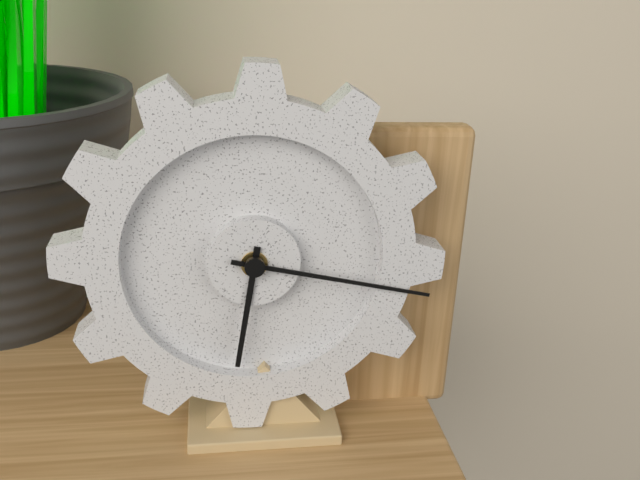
6:17
